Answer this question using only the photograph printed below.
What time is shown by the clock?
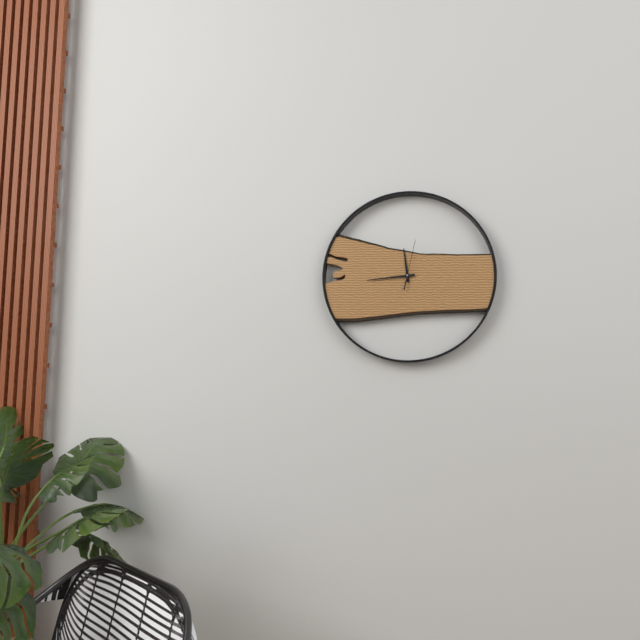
11:44
